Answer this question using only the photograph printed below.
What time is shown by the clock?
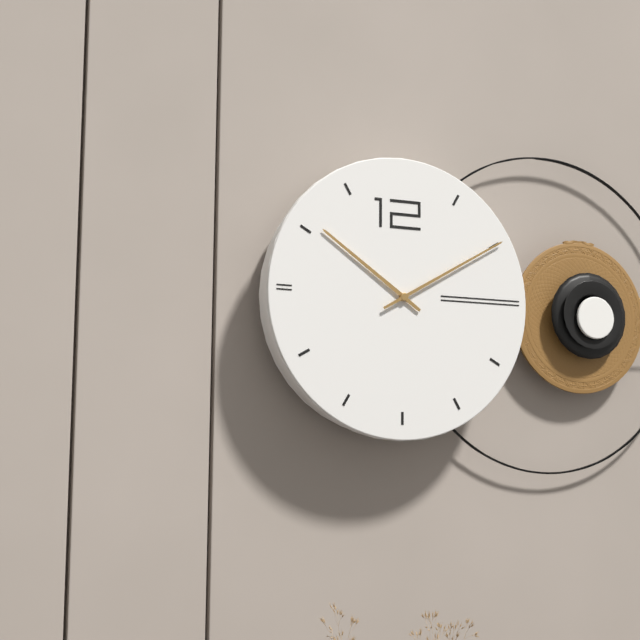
10:10
